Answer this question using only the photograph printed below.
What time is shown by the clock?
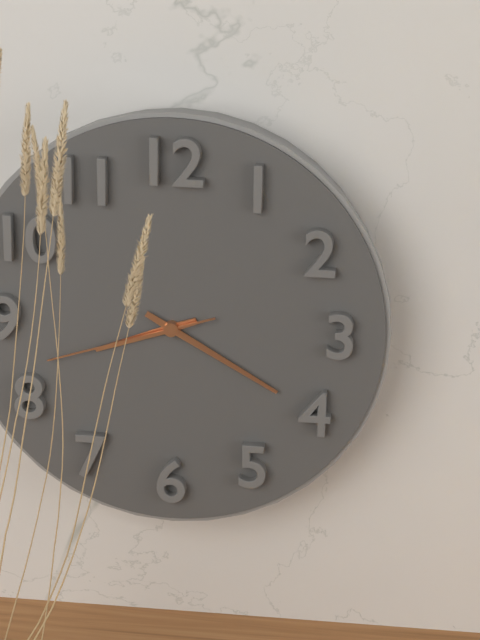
8:20:42
